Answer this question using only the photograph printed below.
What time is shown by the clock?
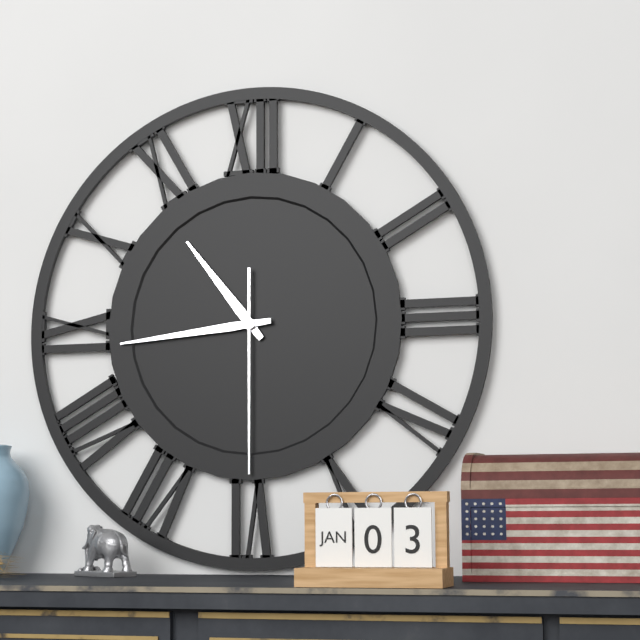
10:44:30
